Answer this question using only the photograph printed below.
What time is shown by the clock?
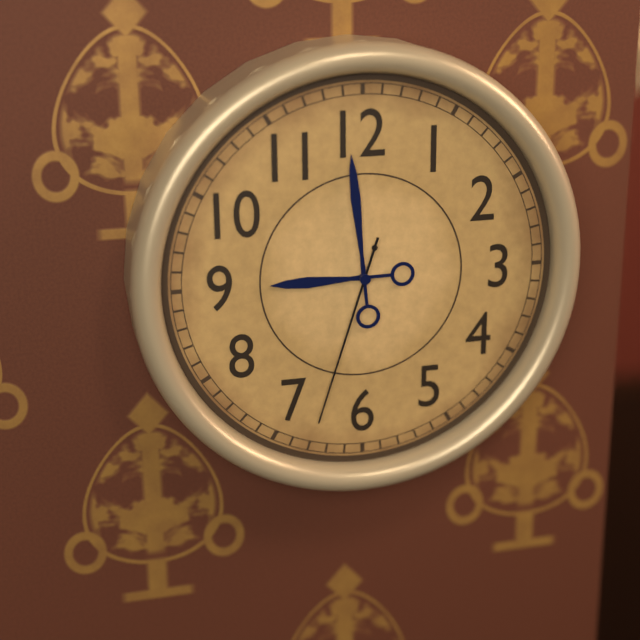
8:59:33
